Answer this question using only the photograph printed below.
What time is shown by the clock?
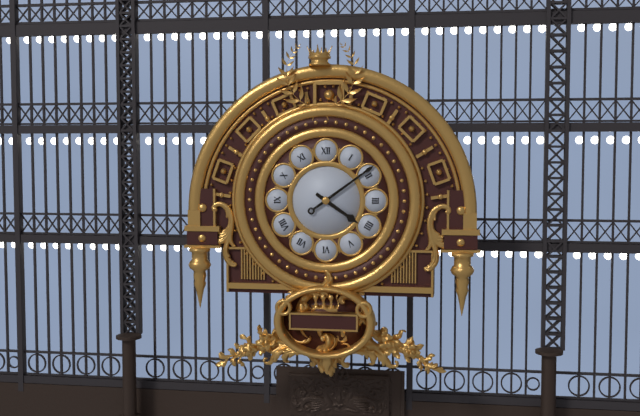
4:09
